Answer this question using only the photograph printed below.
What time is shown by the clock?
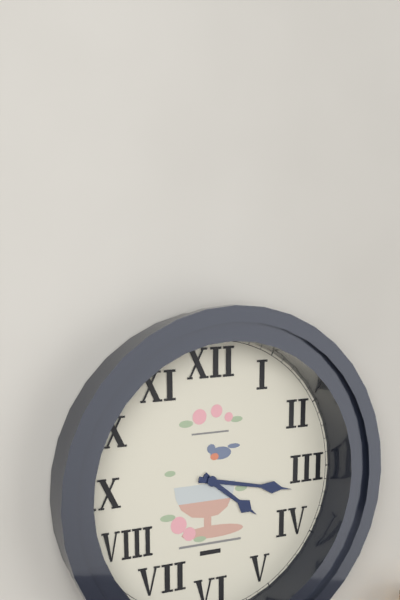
4:17
